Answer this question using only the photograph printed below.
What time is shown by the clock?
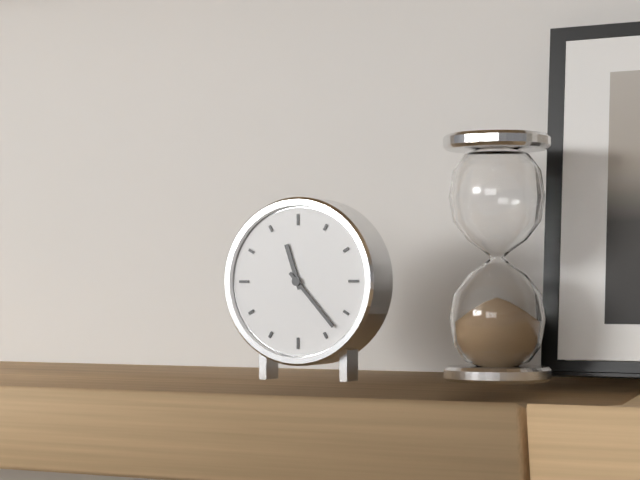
11:23
